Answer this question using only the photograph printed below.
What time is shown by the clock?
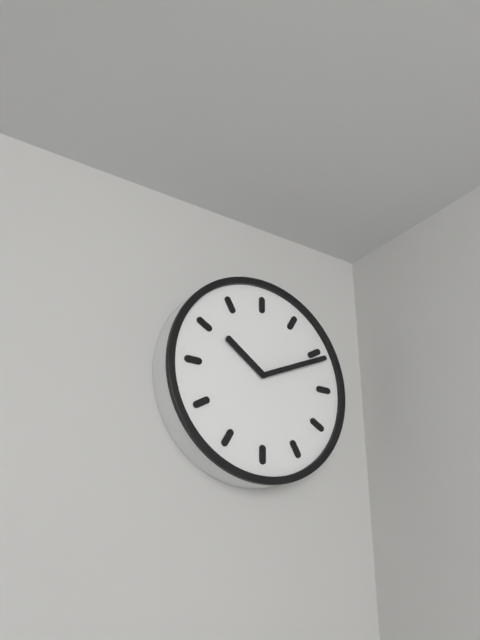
10:11
